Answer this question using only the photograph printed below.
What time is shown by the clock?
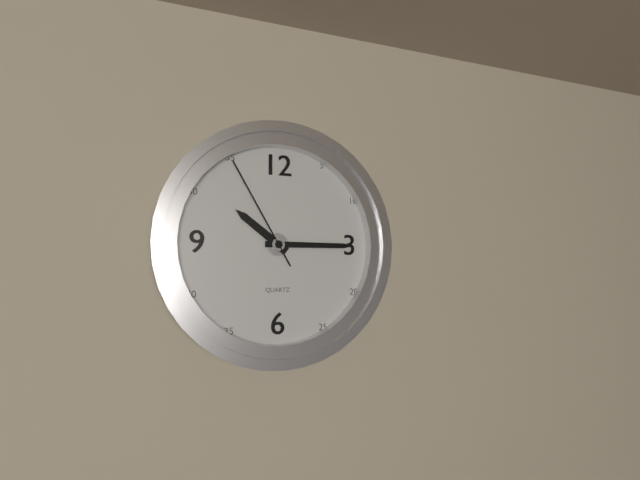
10:15:55
